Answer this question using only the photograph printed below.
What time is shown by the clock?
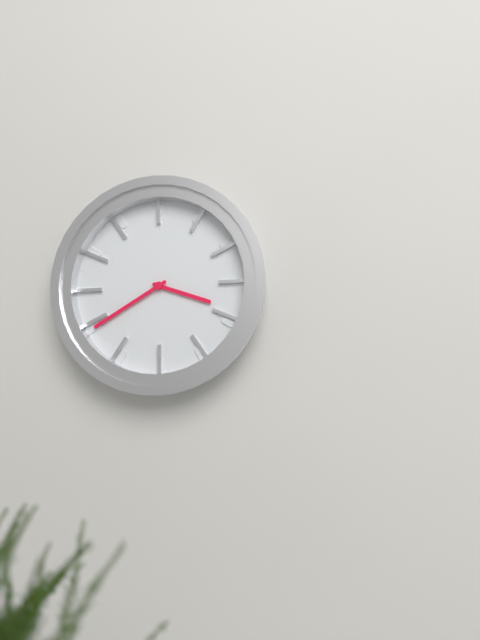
3:40
